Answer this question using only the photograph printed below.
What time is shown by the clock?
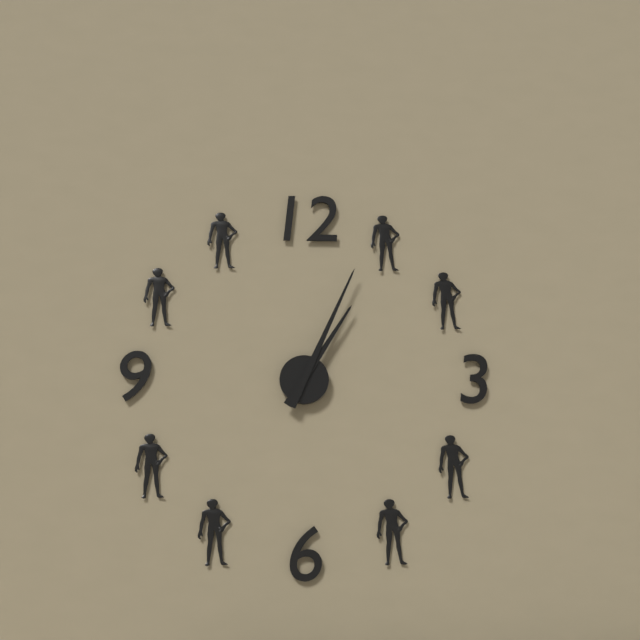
1:04
